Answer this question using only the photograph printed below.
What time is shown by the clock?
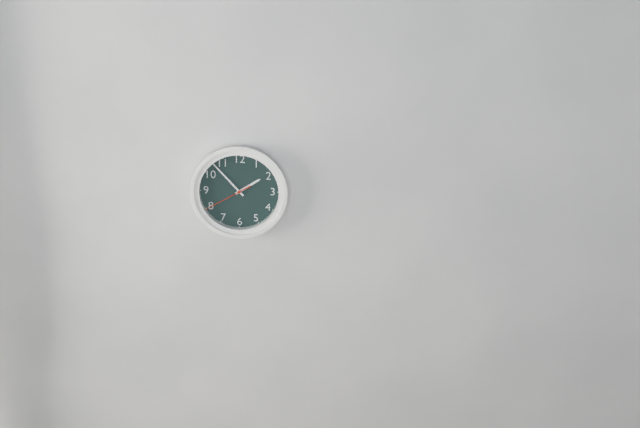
1:53
